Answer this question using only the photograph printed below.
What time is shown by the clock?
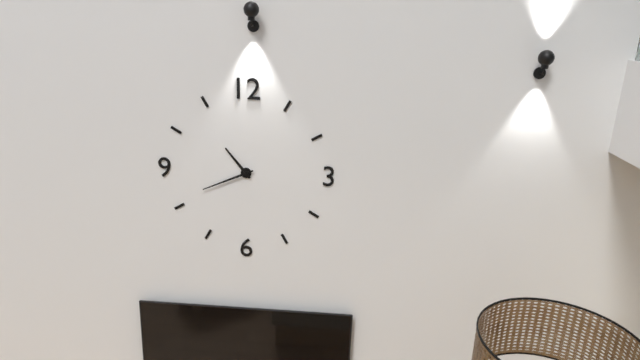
10:41
